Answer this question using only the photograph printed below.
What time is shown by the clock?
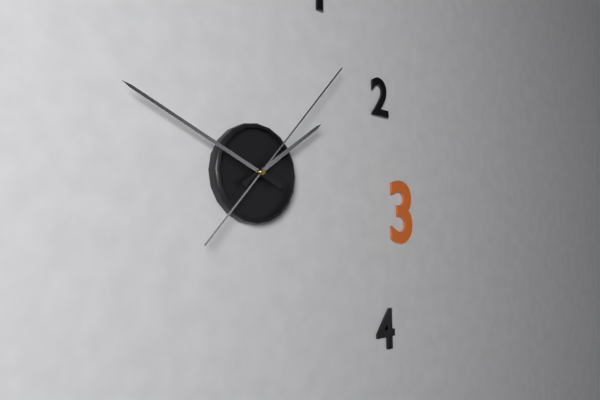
1:49:07
